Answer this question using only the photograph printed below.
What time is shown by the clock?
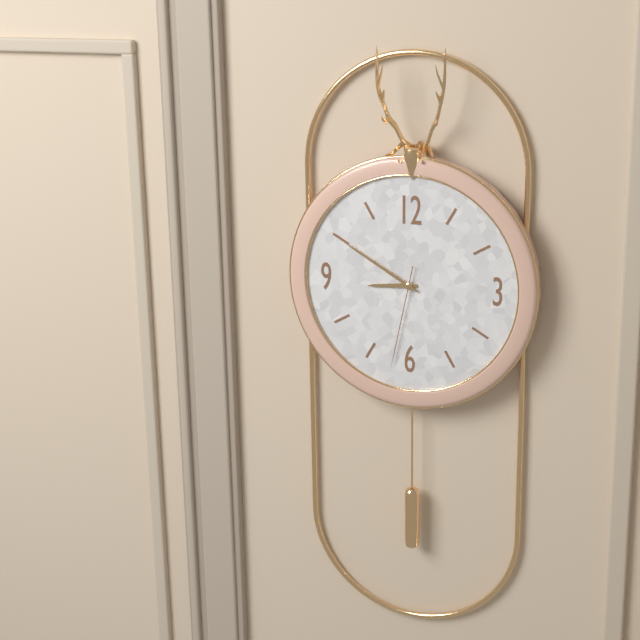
8:50:32
